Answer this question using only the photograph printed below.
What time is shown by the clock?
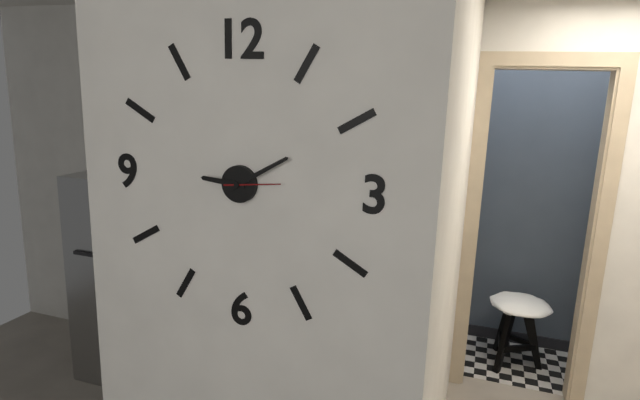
9:10:14
